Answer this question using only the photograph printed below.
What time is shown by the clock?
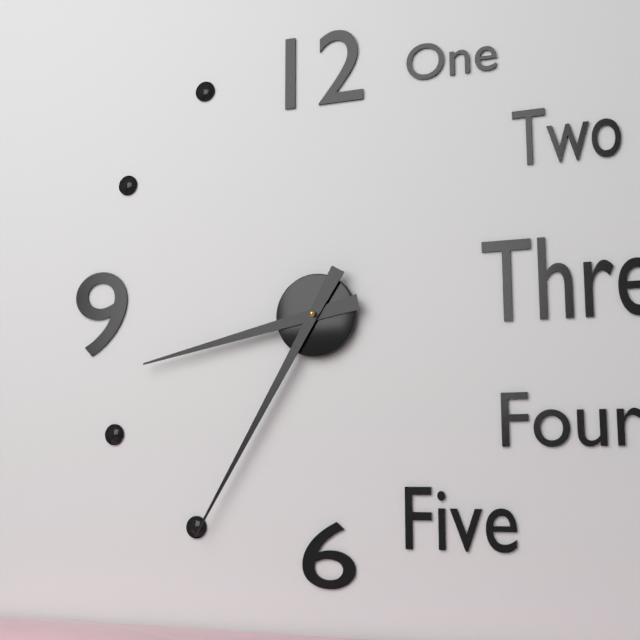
8:35
